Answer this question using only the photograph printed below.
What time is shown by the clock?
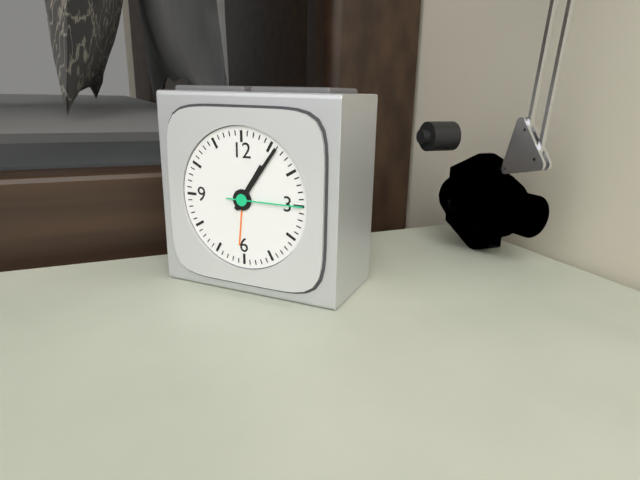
1:06
